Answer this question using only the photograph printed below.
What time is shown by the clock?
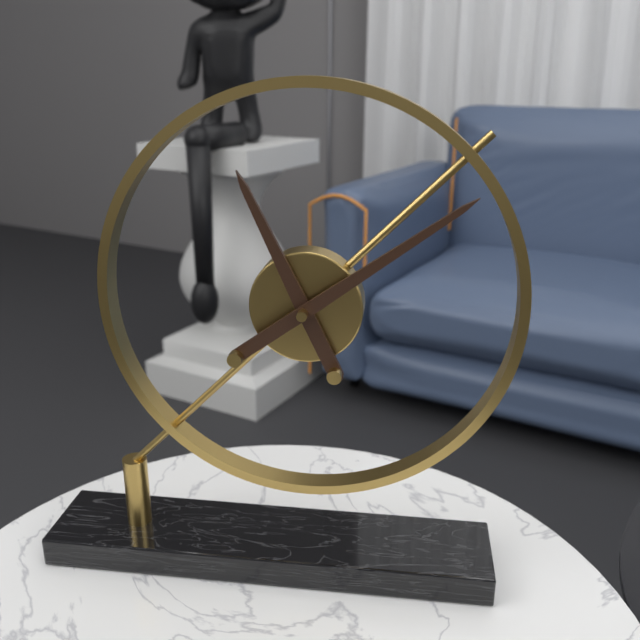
11:09
